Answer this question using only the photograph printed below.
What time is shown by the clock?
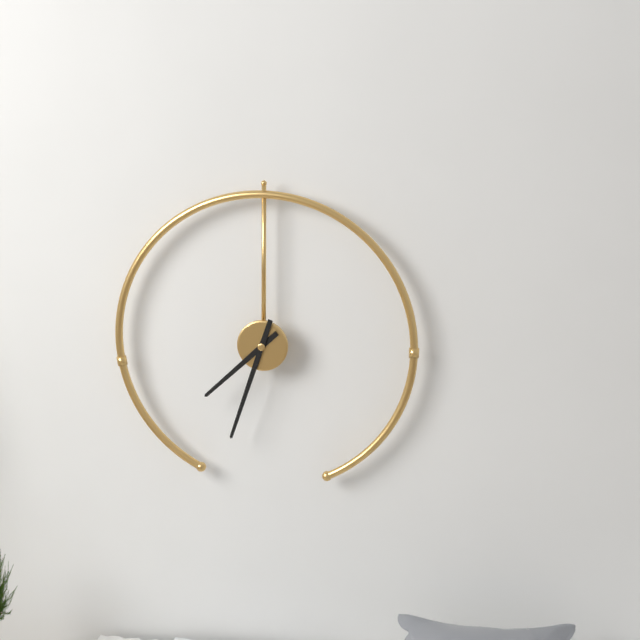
7:33
